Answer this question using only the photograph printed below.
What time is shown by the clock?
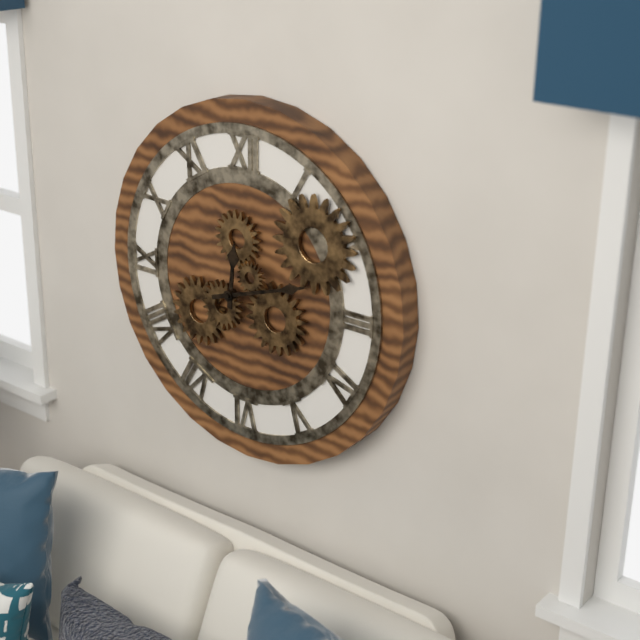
12:12
